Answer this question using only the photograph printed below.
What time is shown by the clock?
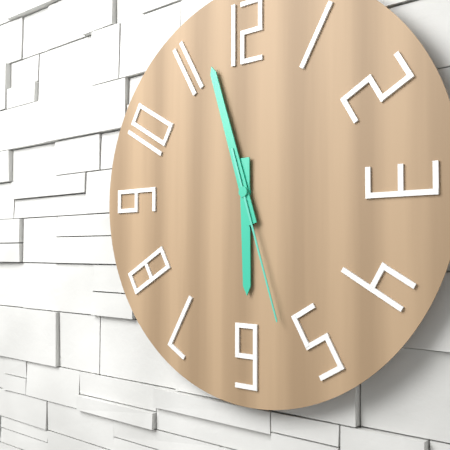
5:57:27
